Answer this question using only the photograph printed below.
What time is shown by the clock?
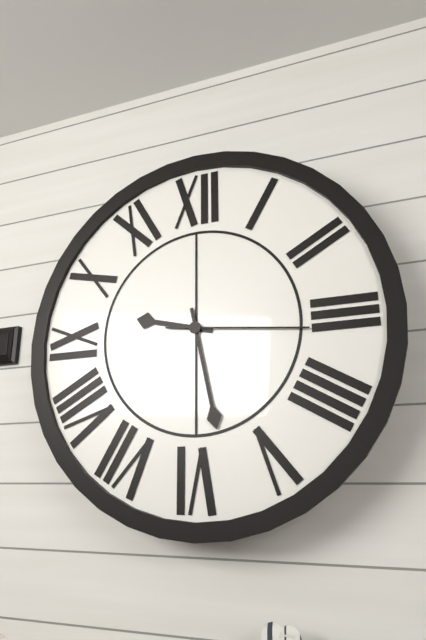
9:28:16
